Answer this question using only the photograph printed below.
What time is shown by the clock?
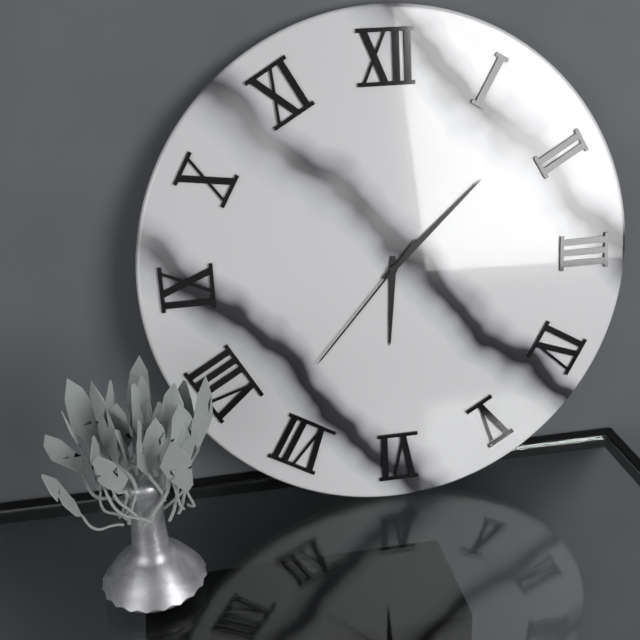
6:08:37
